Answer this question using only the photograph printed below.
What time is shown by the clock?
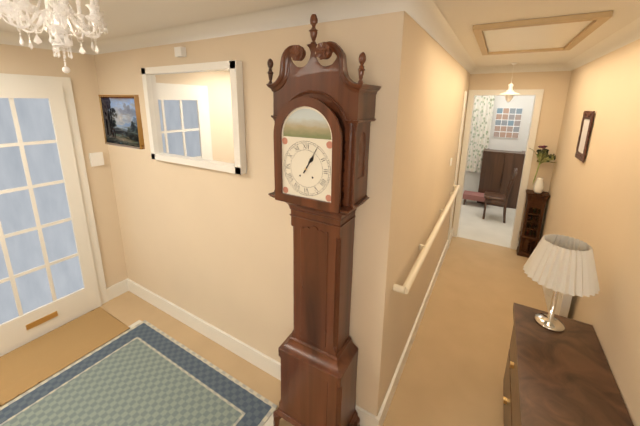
1:05
